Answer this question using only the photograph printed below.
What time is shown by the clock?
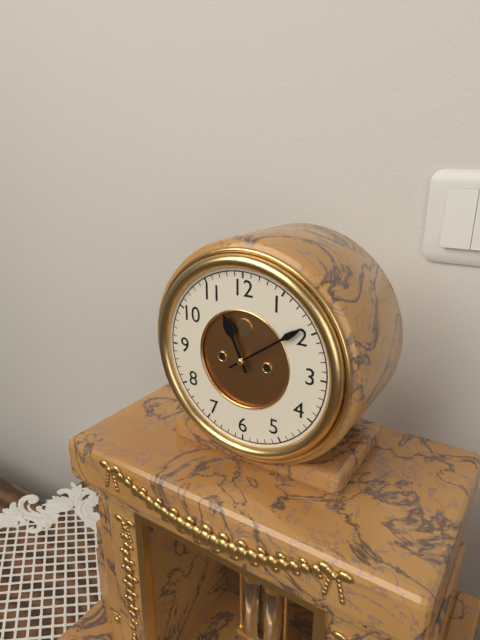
11:09
